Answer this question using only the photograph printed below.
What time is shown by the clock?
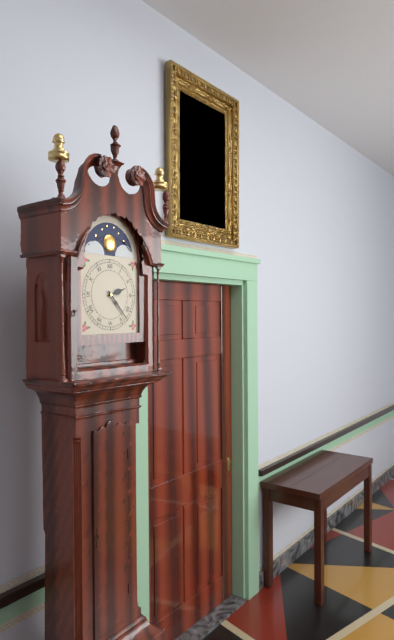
2:23
